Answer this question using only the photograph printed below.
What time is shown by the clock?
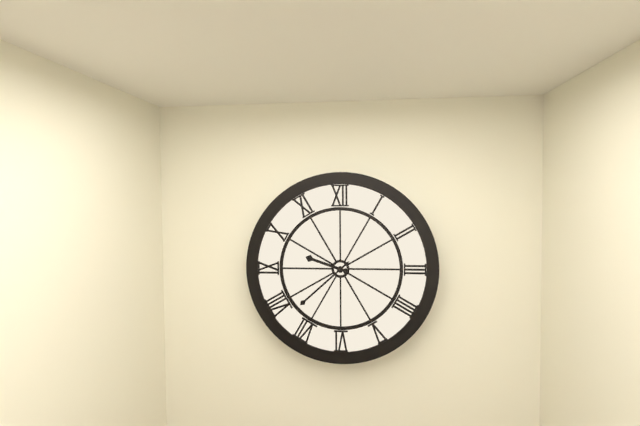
9:38
